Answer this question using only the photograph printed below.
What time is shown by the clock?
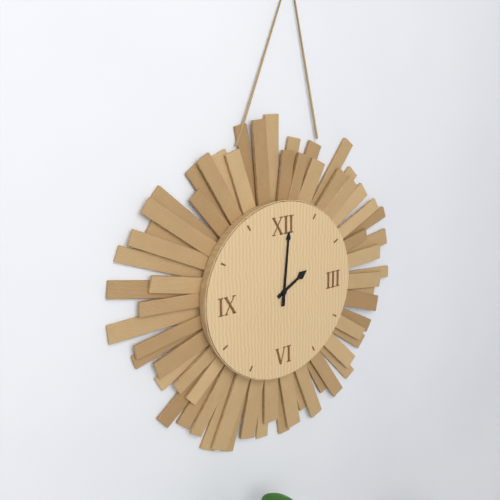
2:01
